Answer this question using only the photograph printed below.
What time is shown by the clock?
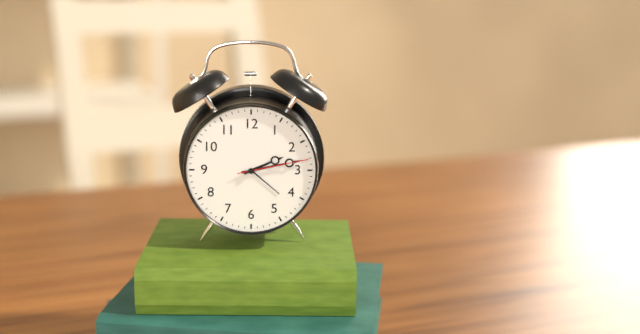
2:13:13
